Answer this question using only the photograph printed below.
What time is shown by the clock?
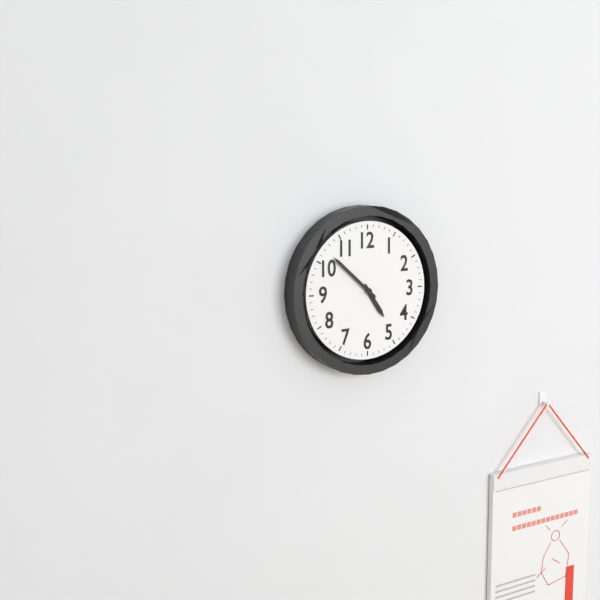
4:52
